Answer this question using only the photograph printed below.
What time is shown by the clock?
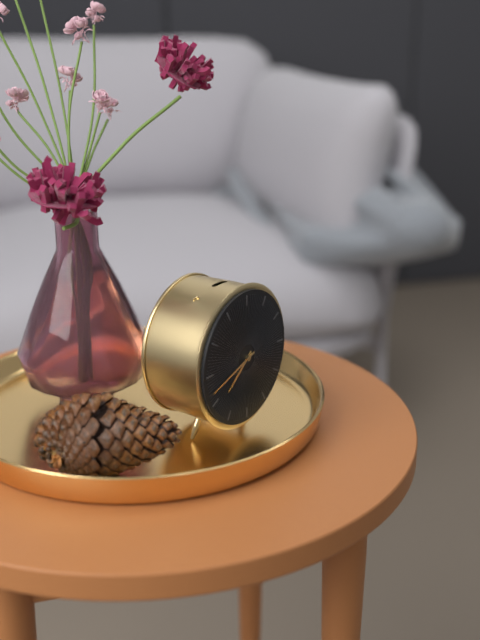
7:42
